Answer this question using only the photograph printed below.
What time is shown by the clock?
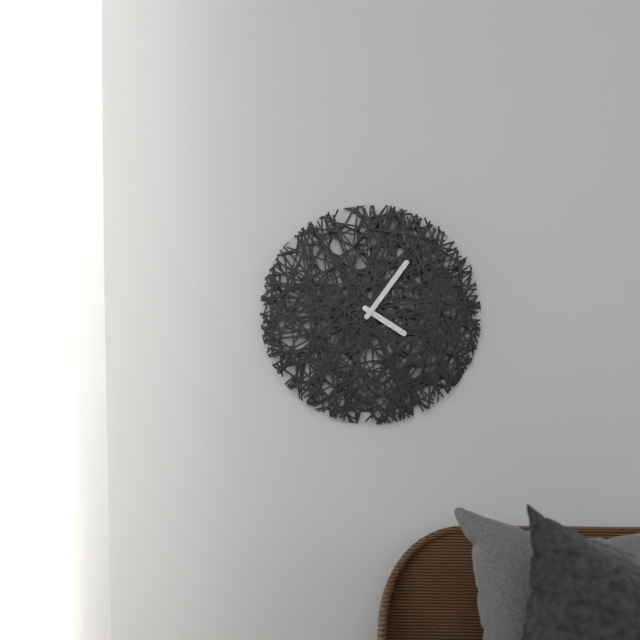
4:06
